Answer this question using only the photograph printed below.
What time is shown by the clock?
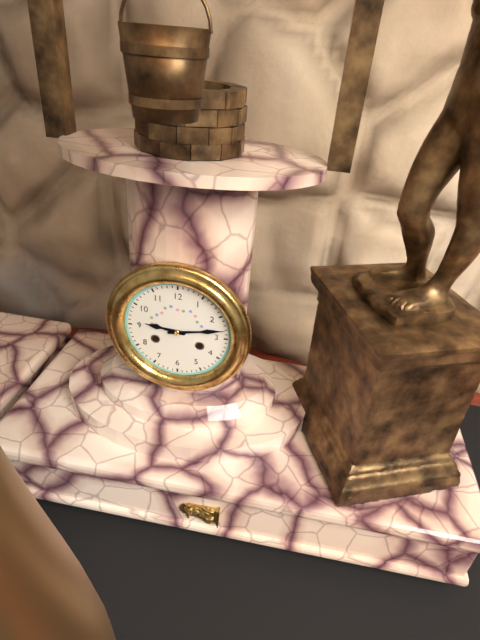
9:13
